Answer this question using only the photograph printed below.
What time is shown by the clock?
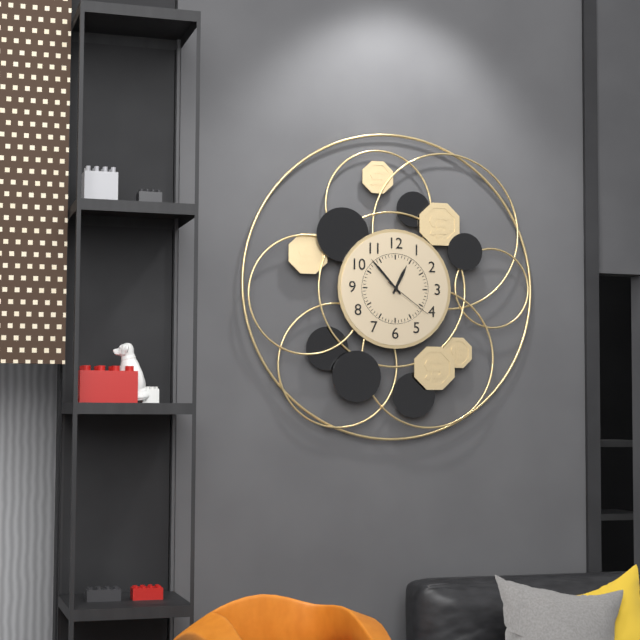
12:53:21
